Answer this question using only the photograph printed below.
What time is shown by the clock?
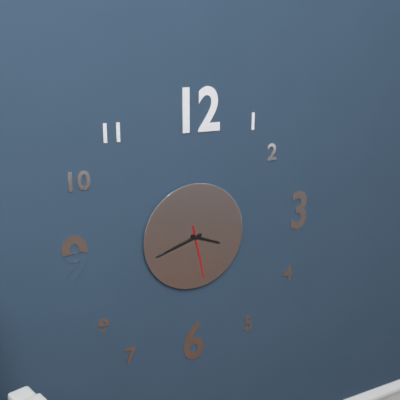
3:42:28
